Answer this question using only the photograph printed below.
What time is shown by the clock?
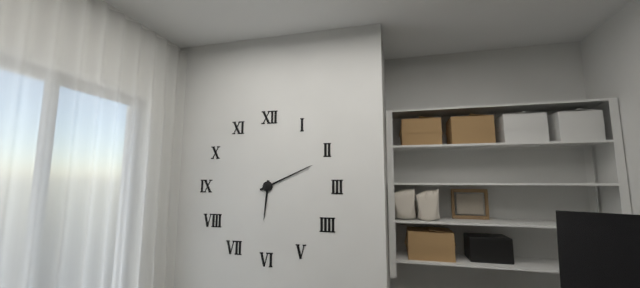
6:11
